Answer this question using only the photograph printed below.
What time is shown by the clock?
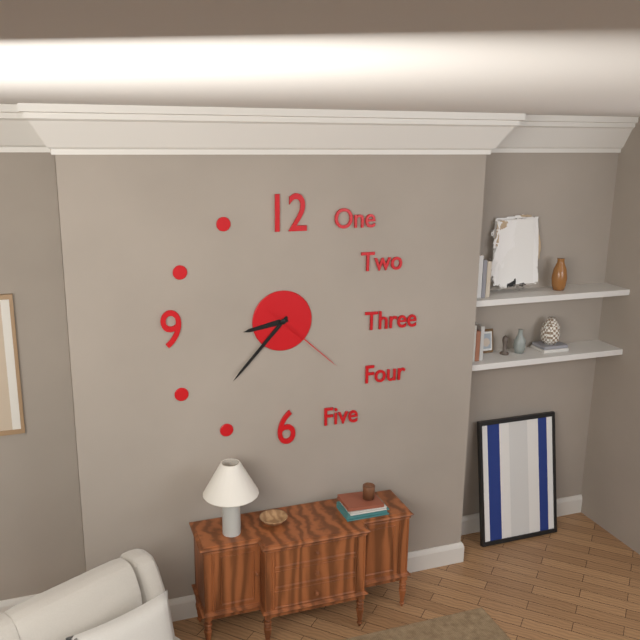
8:37:22
